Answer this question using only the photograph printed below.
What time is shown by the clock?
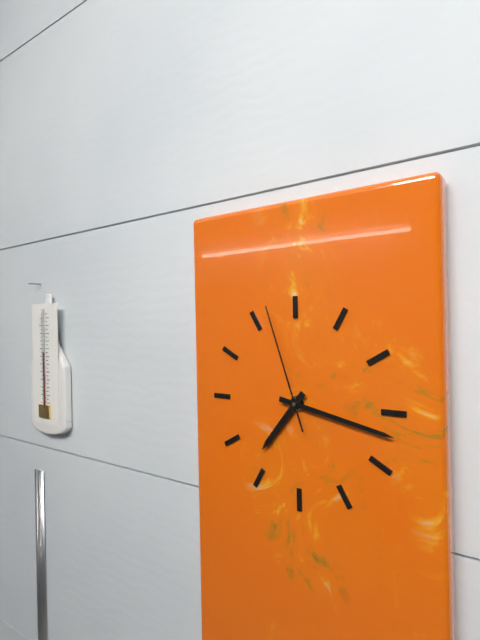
7:17:57
